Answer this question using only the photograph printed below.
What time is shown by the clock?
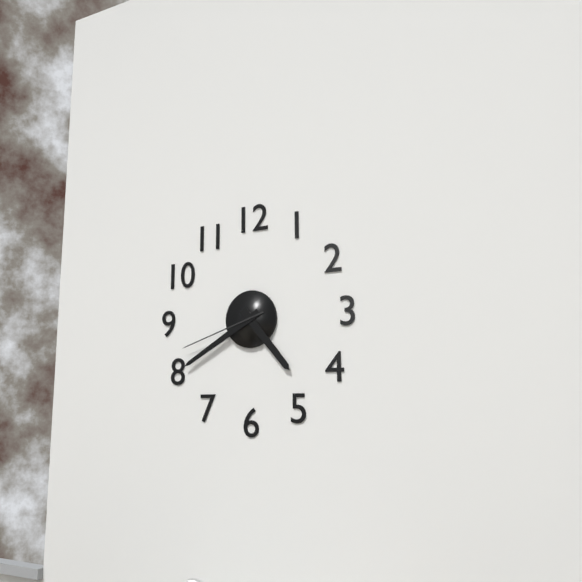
4:40:42
